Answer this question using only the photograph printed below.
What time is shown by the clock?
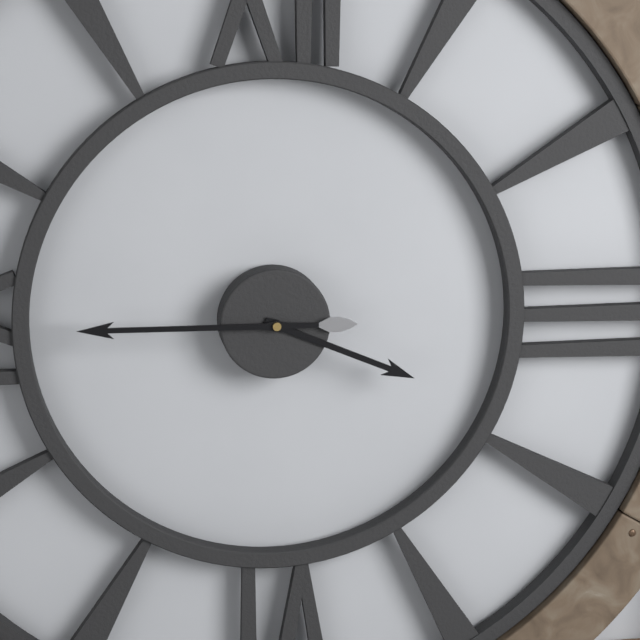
3:45
